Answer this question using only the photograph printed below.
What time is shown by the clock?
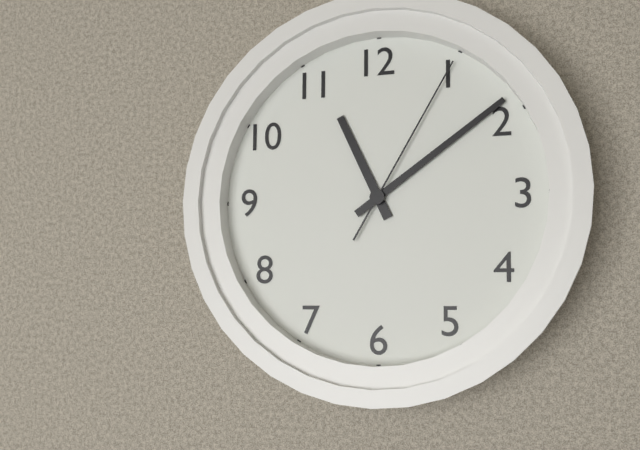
11:09:05
